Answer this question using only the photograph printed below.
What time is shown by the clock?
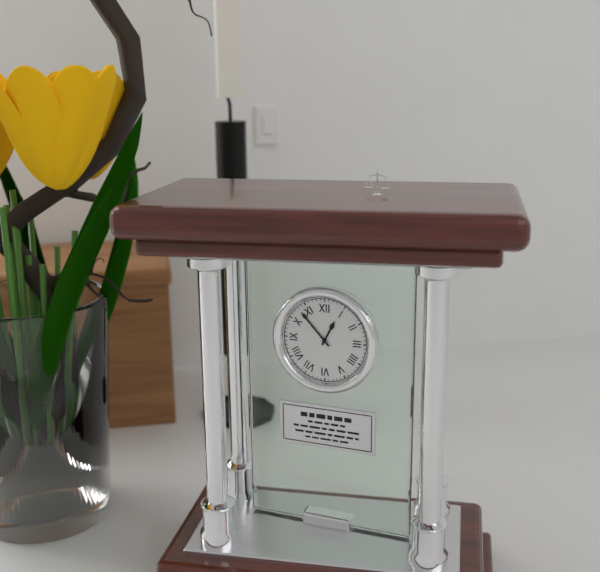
12:53
